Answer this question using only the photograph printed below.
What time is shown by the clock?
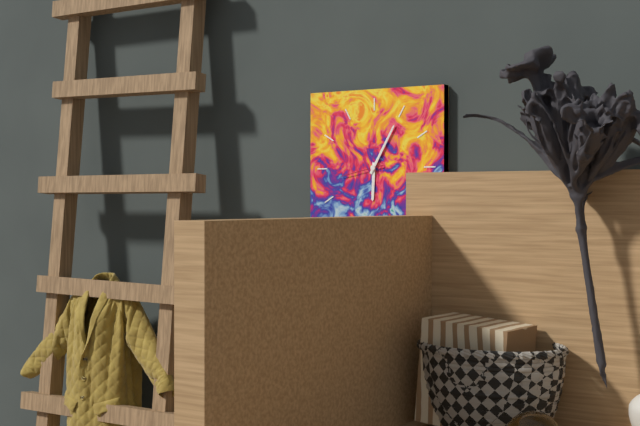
6:05
